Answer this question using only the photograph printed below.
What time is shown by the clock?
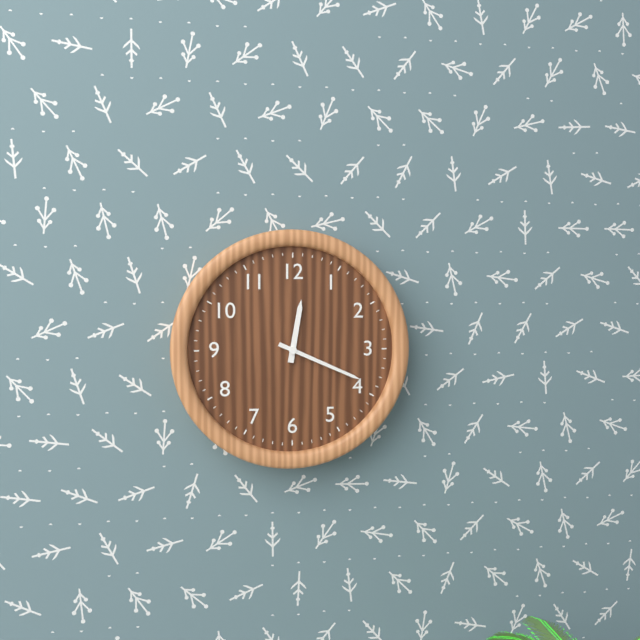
12:19
